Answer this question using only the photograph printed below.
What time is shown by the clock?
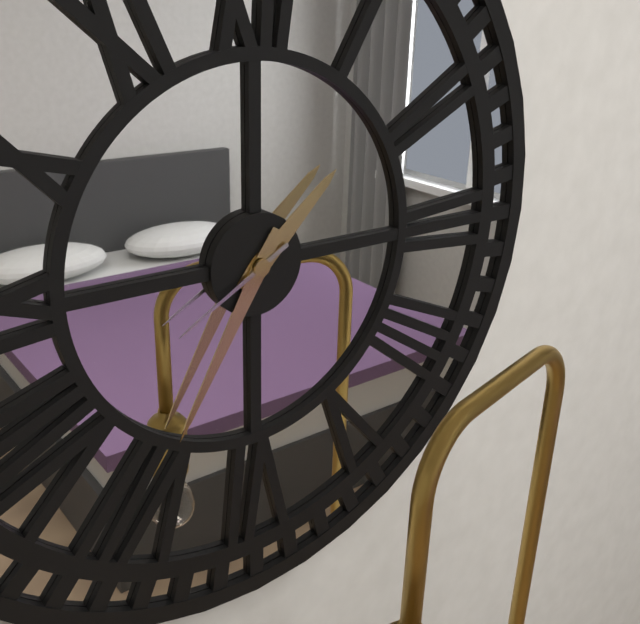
1:35:40
